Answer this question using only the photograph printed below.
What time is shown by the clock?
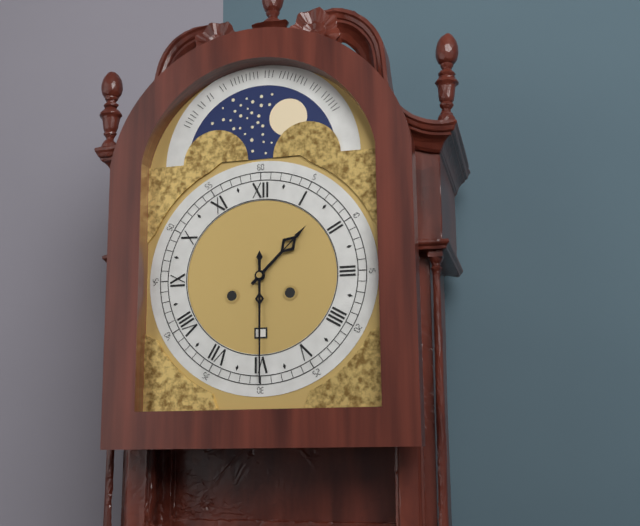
1:30
